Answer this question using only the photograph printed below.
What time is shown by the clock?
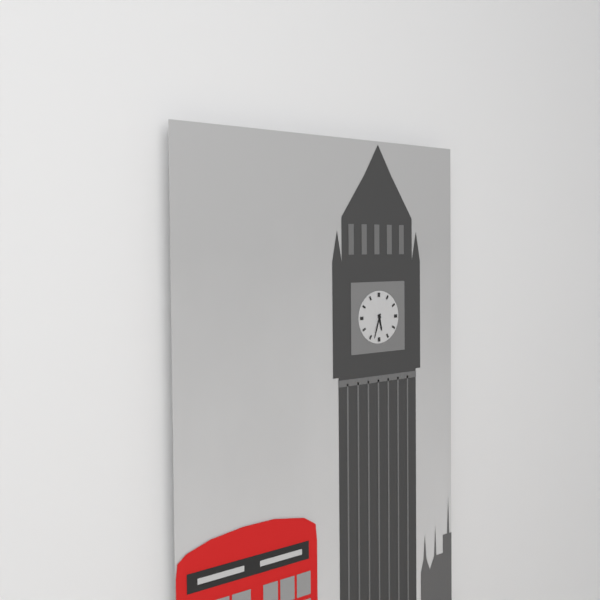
5:33
